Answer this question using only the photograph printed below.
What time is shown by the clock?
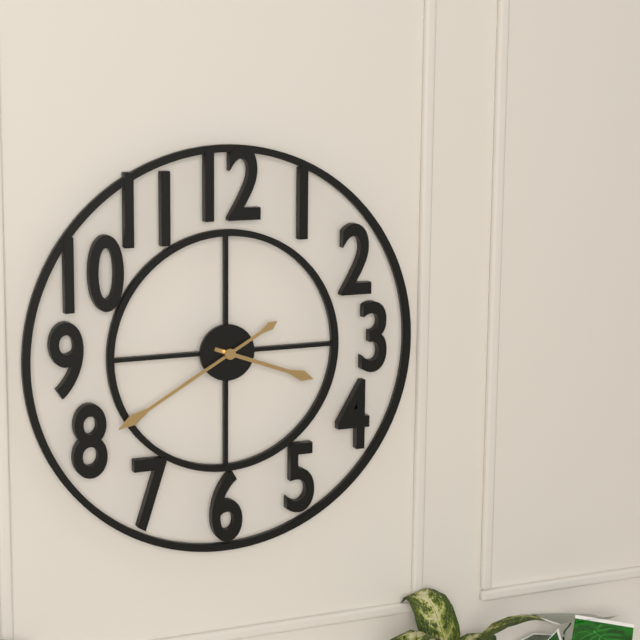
3:40
